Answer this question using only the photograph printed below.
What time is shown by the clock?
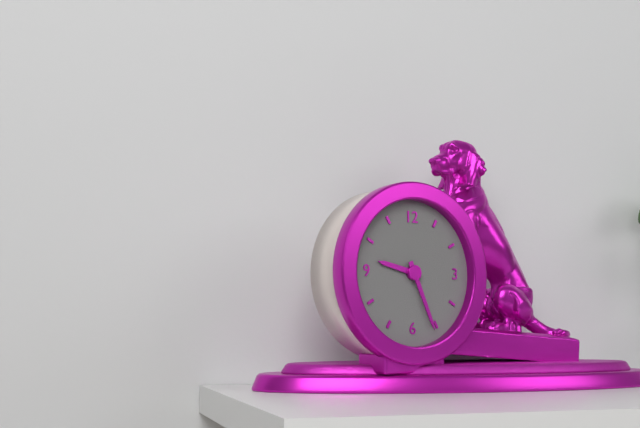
9:26
